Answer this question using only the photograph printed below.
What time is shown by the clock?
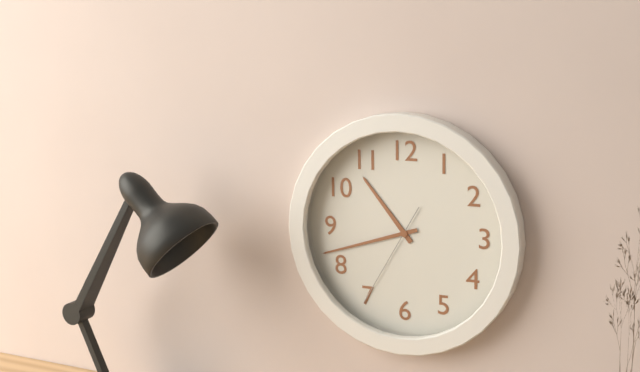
10:42:35
